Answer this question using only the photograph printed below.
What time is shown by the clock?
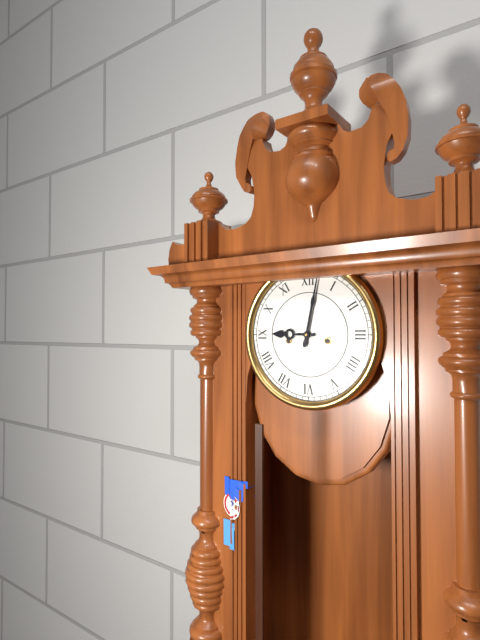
9:02
